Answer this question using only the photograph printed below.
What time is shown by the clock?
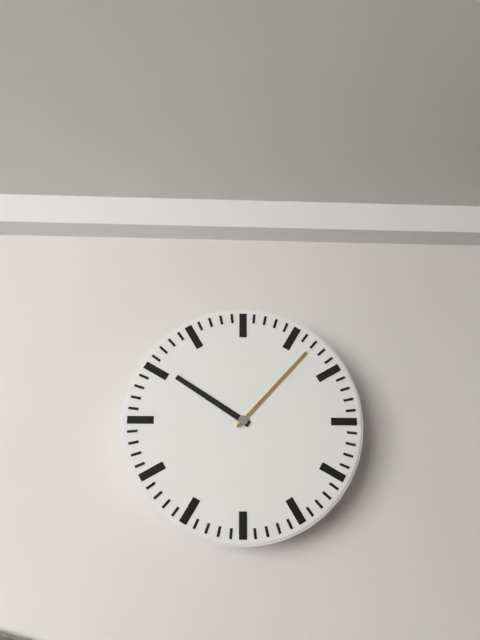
10:07
